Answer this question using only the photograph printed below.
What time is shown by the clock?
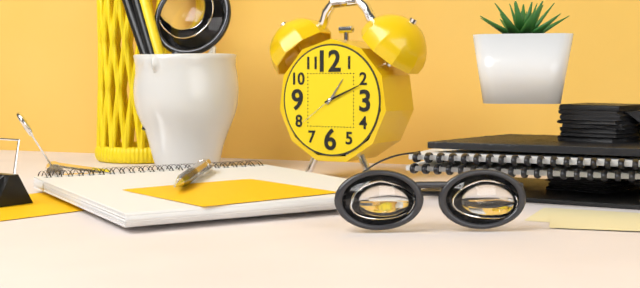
1:11
